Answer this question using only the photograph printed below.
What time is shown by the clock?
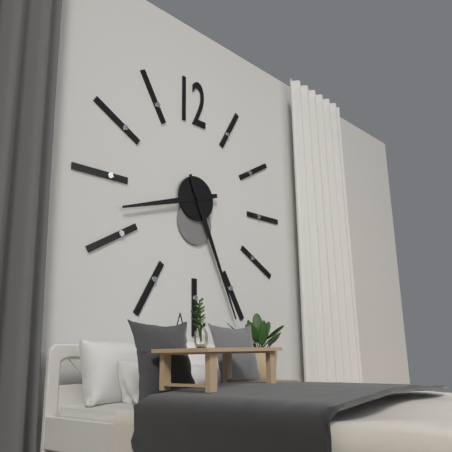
8:26
